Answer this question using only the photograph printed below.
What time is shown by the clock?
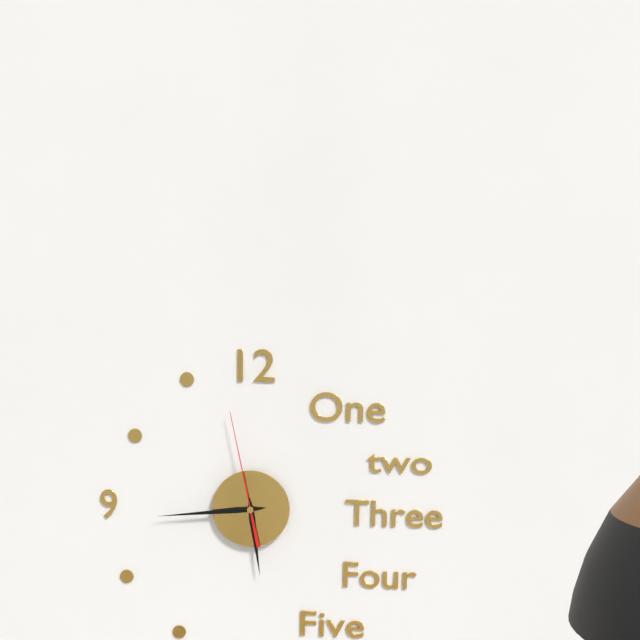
5:44:58
